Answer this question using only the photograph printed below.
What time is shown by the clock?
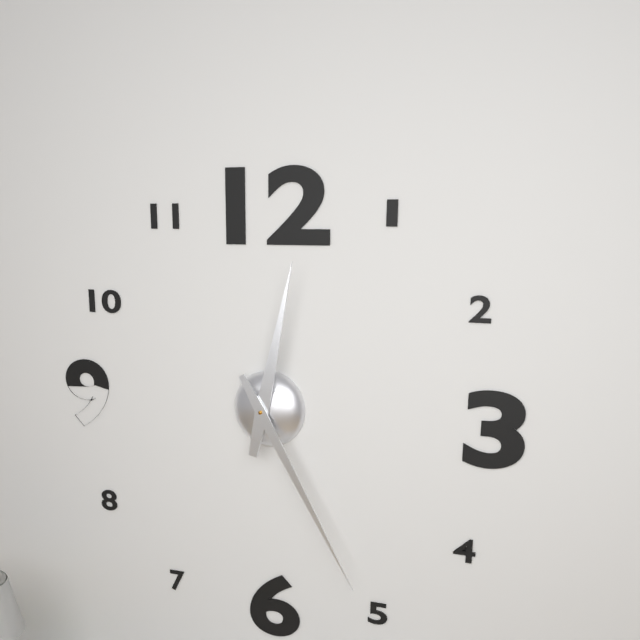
12:25
